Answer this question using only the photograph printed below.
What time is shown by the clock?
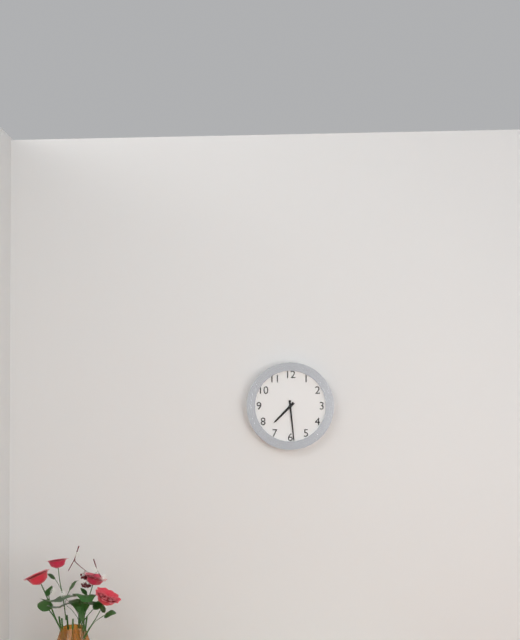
7:29
